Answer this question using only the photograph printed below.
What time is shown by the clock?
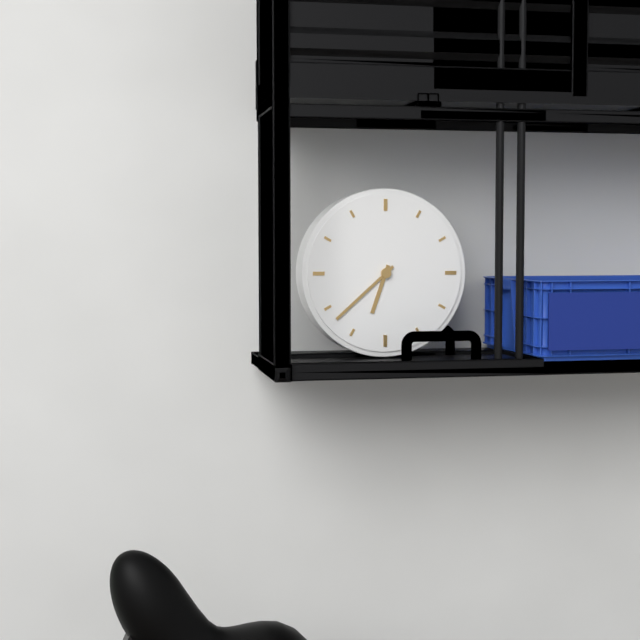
6:38
